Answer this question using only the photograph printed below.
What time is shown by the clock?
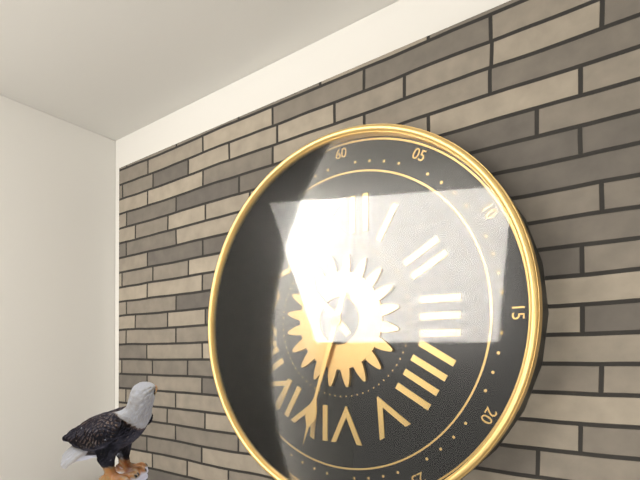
10:33
